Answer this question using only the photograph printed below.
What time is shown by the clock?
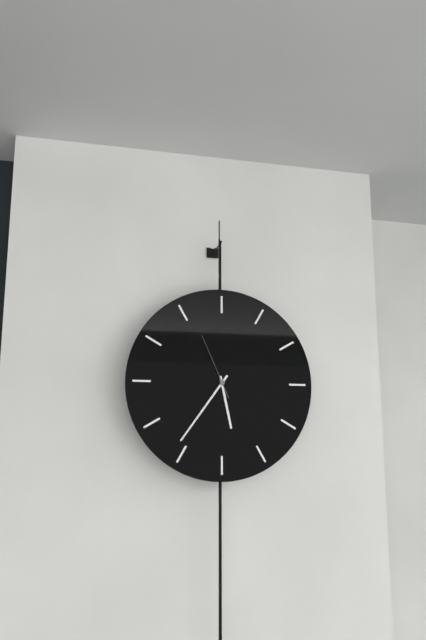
5:36:56
